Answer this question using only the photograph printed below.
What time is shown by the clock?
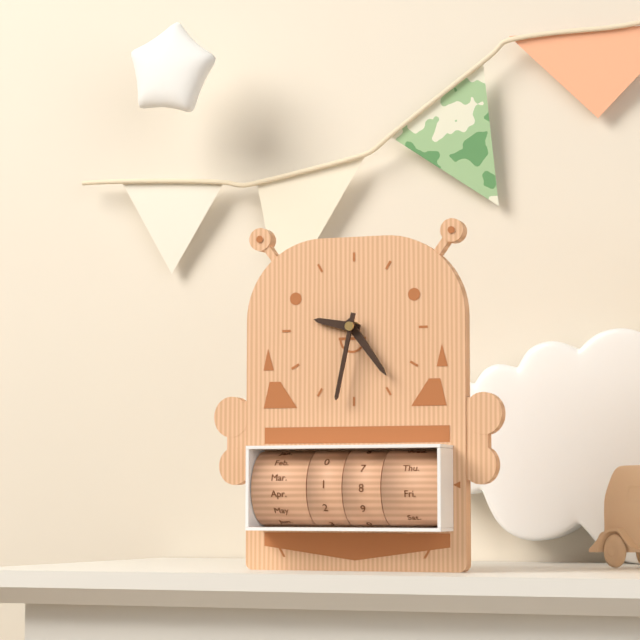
9:24:32
